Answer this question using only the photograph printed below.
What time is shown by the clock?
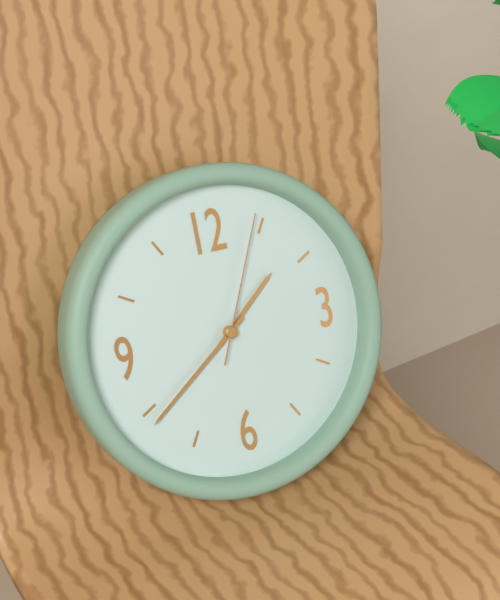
1:39:04
